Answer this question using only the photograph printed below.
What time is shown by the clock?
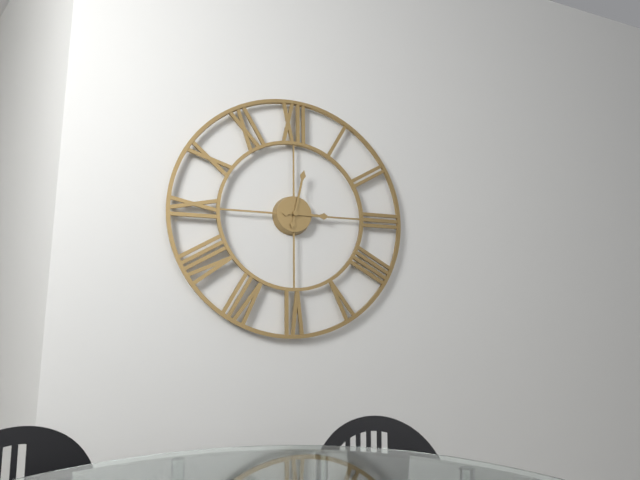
3:02
